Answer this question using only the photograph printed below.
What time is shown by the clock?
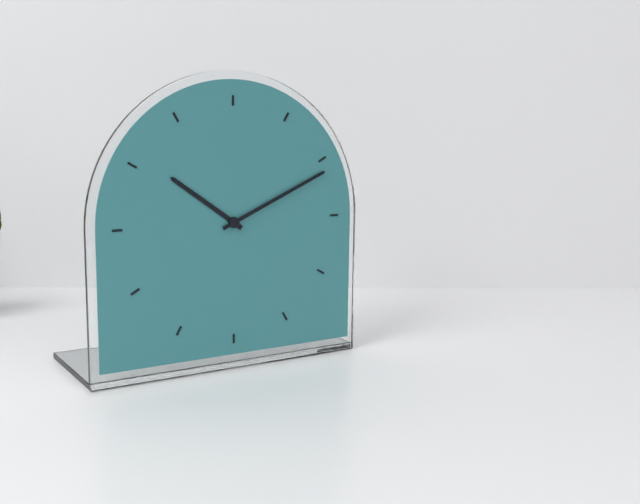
10:11
